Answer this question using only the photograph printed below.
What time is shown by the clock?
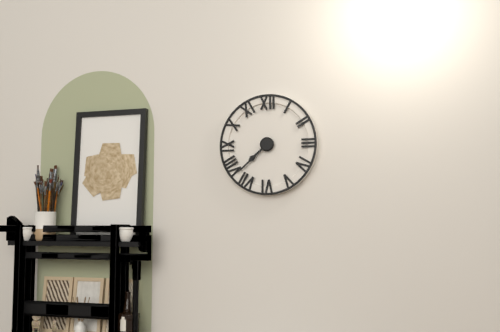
7:38
